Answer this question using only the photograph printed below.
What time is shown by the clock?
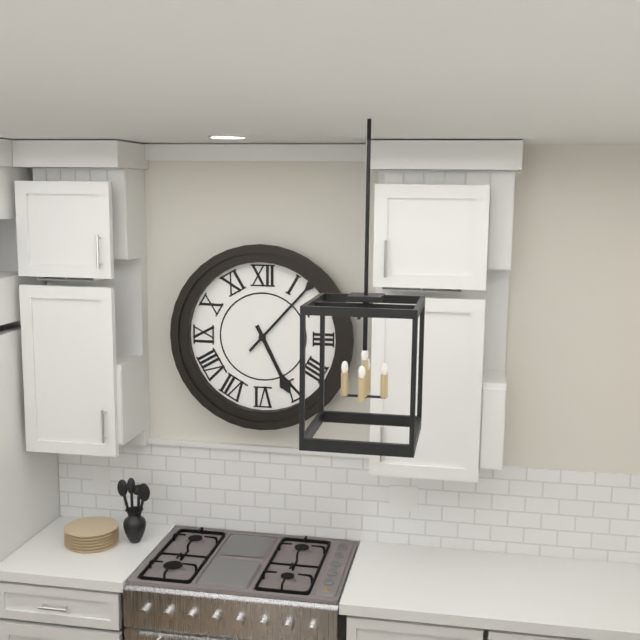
5:07
